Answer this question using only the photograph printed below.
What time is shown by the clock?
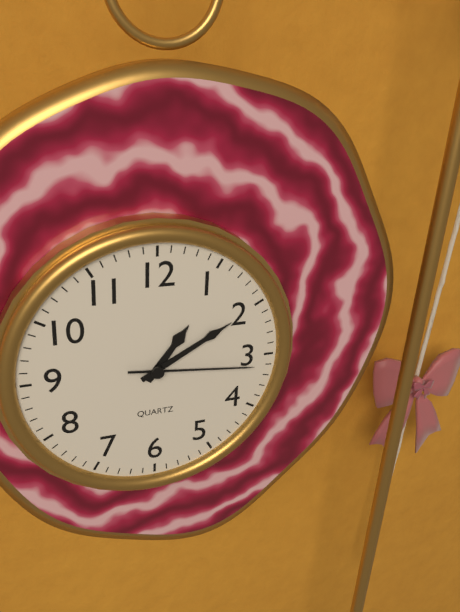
1:10:16
